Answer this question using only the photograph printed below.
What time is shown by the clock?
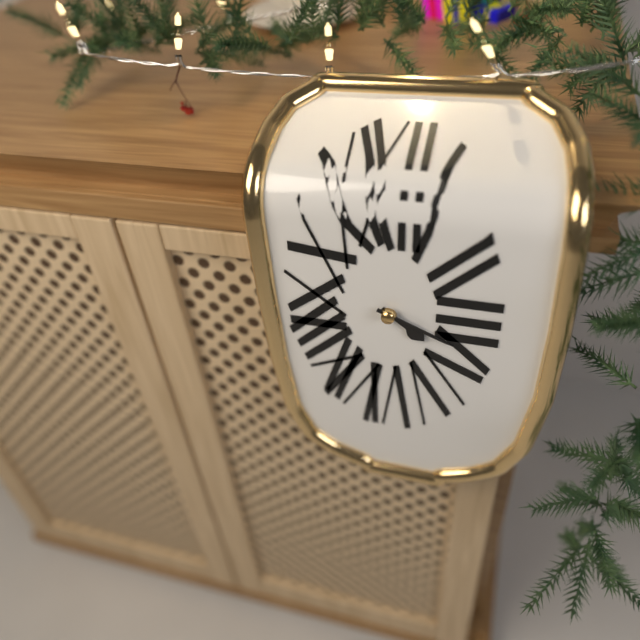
4:19
